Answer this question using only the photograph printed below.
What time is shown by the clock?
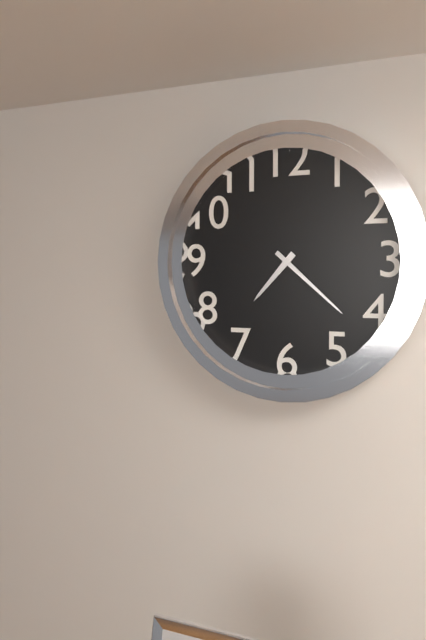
7:22
